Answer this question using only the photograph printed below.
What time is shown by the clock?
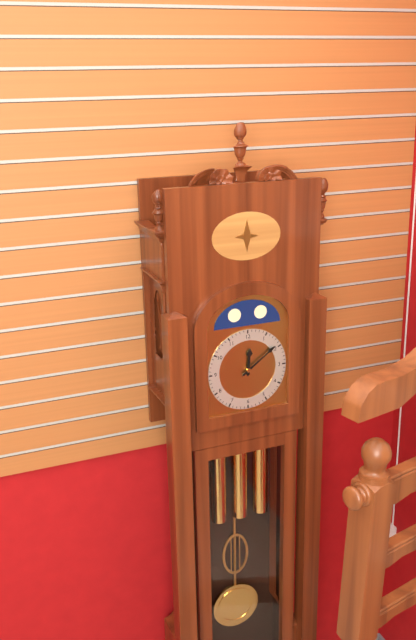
12:09
